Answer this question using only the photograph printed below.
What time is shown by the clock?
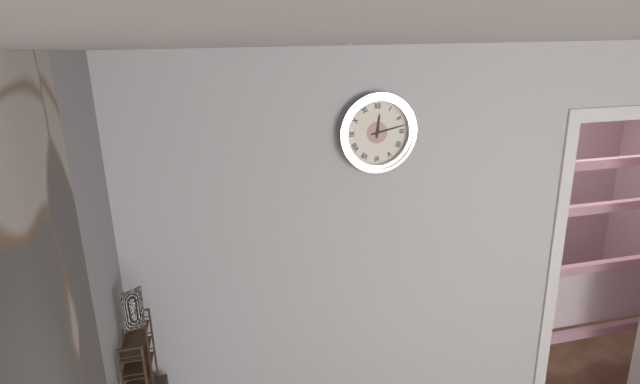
12:13
